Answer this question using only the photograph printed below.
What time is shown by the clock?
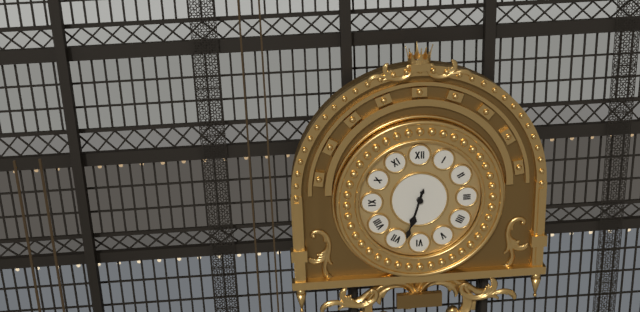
6:33
